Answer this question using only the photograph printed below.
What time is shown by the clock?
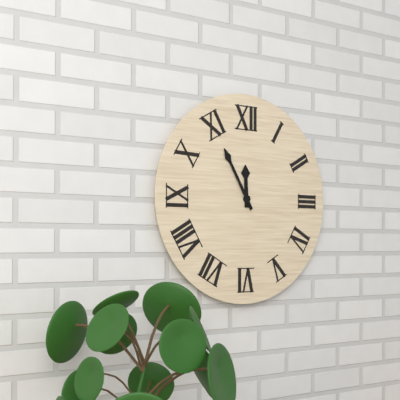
11:55
